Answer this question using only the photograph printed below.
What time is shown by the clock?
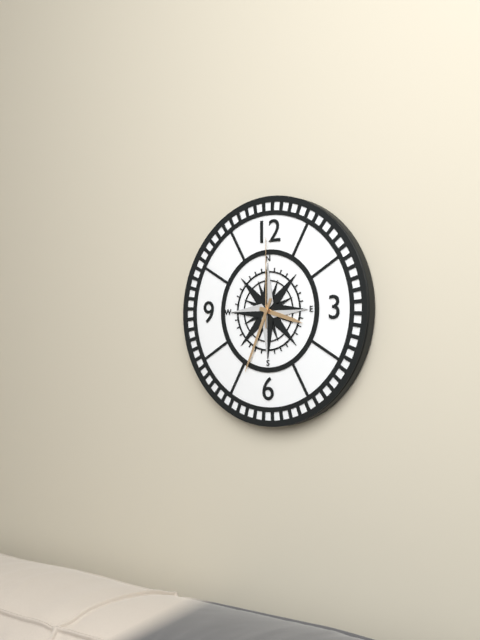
3:34:00
